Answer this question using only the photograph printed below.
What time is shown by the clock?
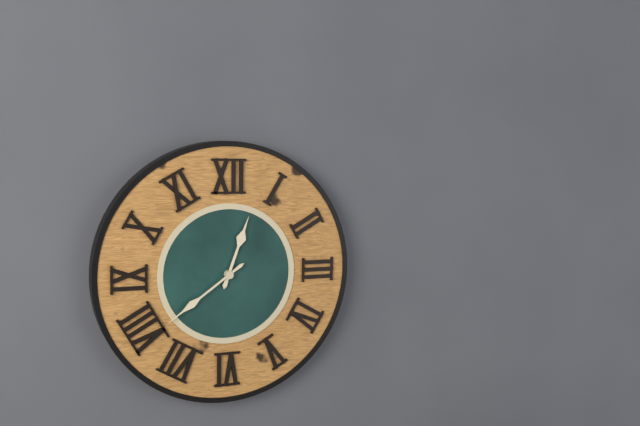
12:39
